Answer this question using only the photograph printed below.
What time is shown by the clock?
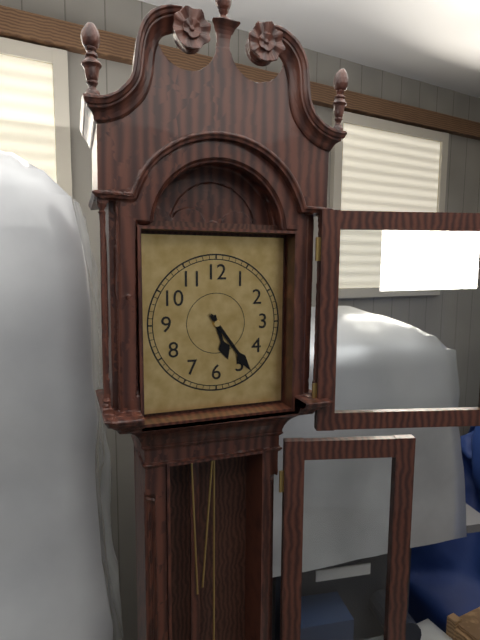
5:24
